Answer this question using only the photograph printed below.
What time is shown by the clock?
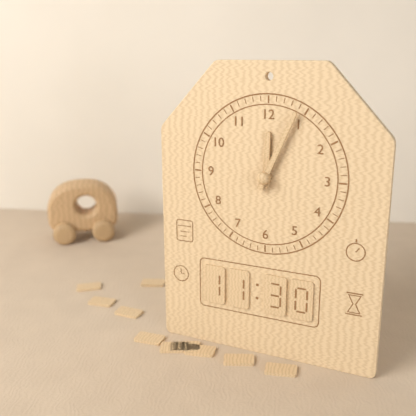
12:04
